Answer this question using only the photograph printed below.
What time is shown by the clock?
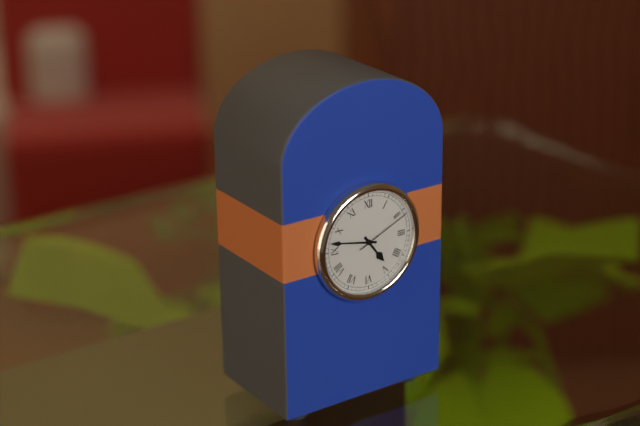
4:47:11
